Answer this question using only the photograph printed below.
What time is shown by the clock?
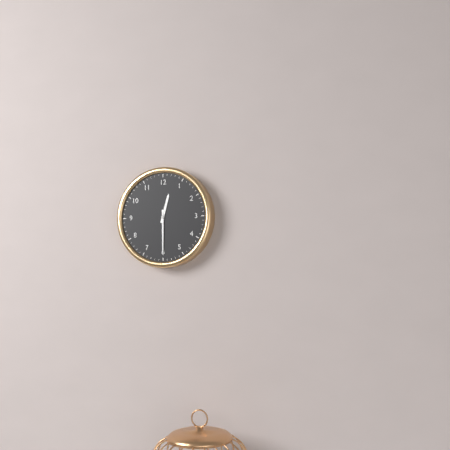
12:30
